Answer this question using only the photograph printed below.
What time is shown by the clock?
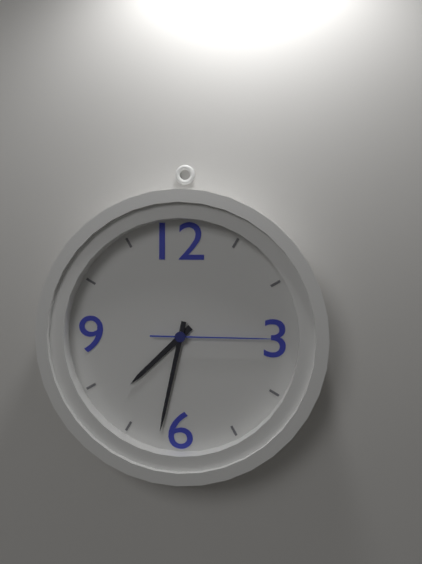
7:32:15
